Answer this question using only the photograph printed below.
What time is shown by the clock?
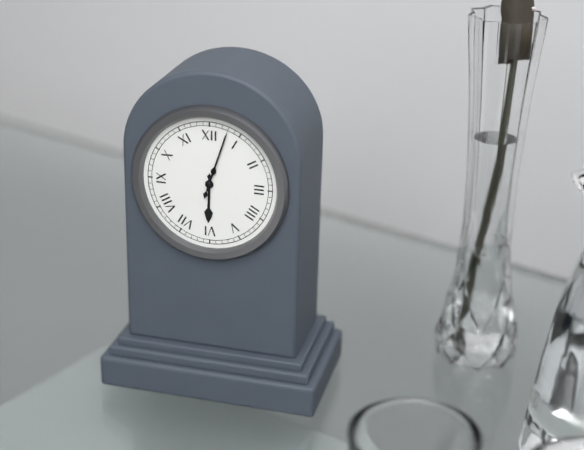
6:03
